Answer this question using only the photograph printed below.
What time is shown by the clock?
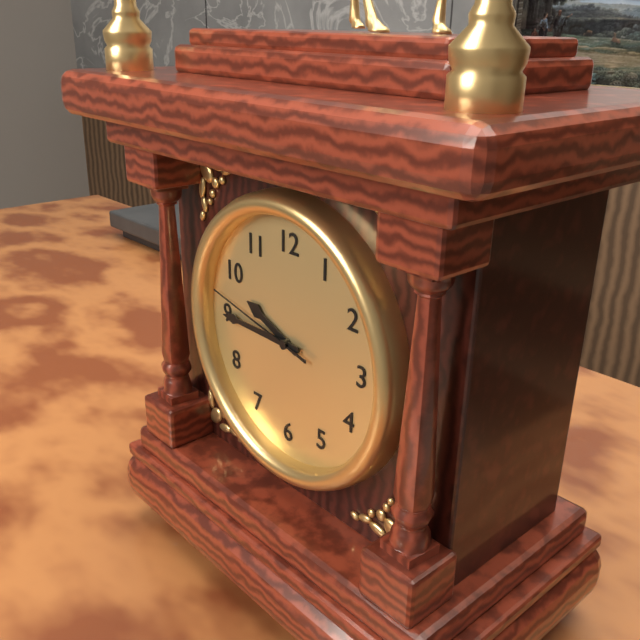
9:45:47
